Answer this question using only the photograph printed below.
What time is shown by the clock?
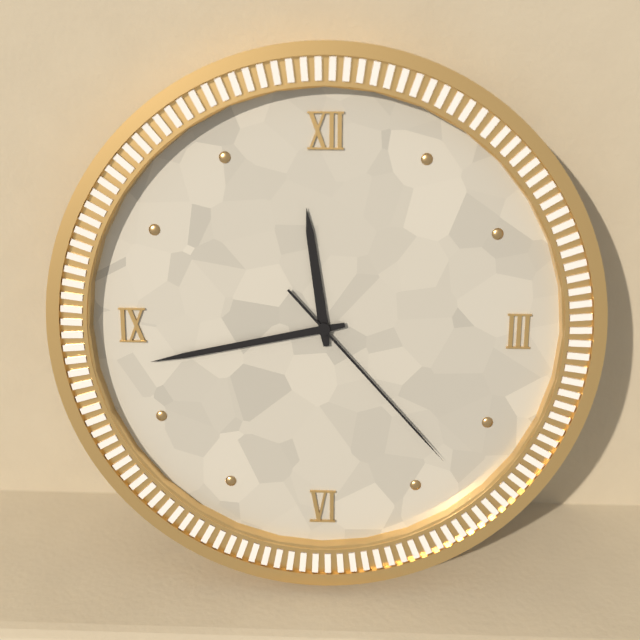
11:43:23
